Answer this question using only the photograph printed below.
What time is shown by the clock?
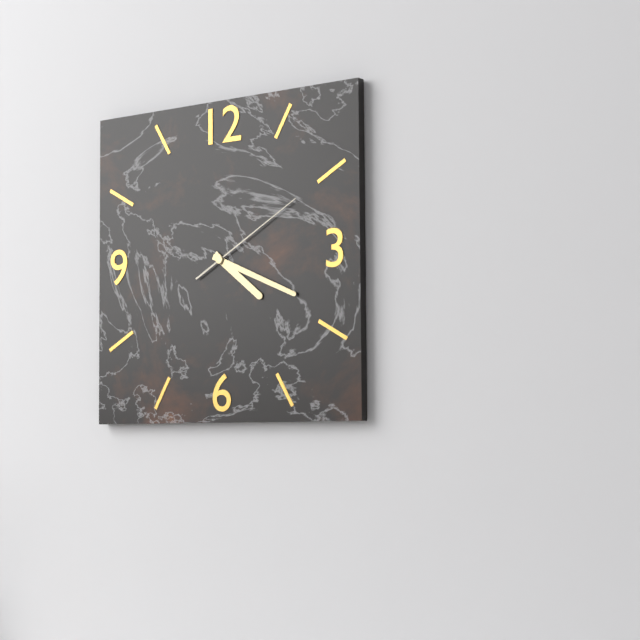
4:19:10
